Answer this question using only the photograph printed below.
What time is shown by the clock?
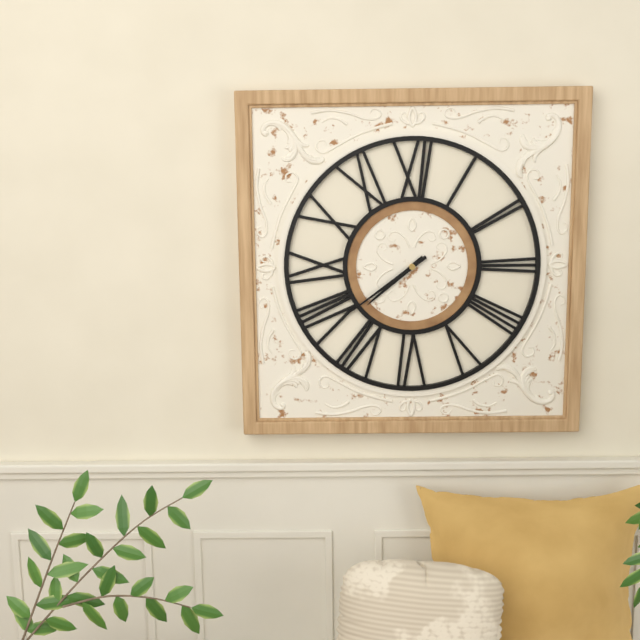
7:39
